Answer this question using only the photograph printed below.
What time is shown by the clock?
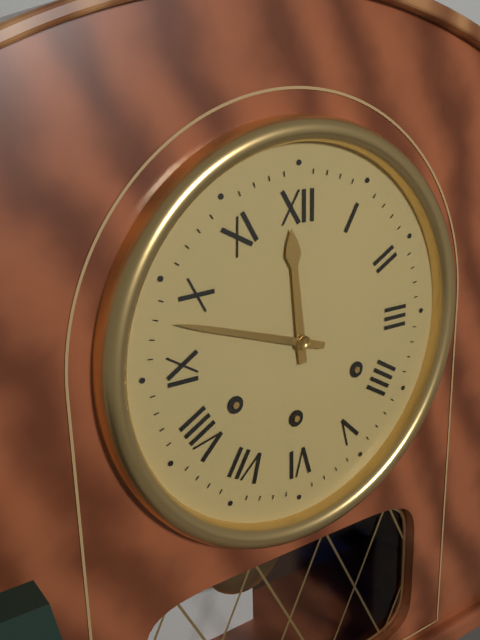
11:48
